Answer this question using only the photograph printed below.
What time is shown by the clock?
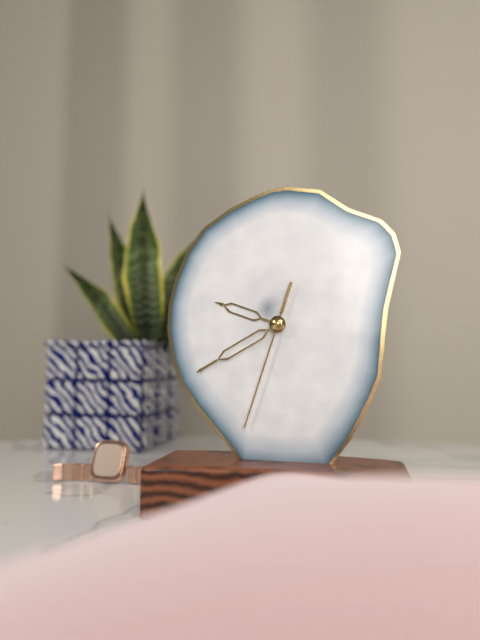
9:40:33
